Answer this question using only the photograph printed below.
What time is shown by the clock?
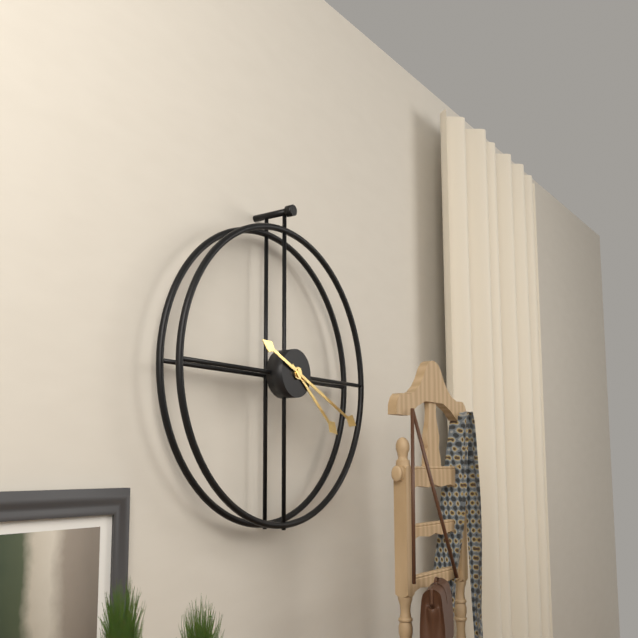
4:19
